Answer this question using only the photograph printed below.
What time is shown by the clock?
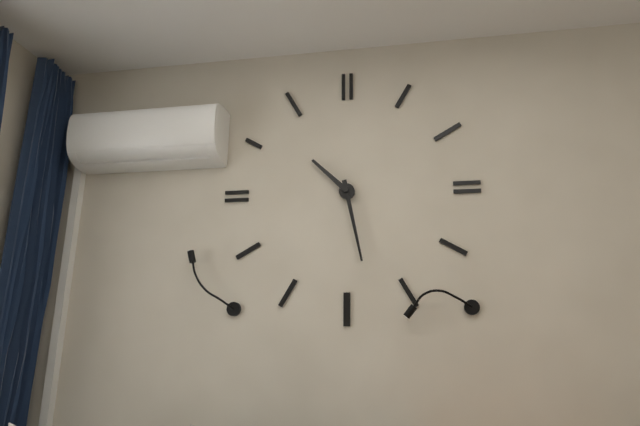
10:28
